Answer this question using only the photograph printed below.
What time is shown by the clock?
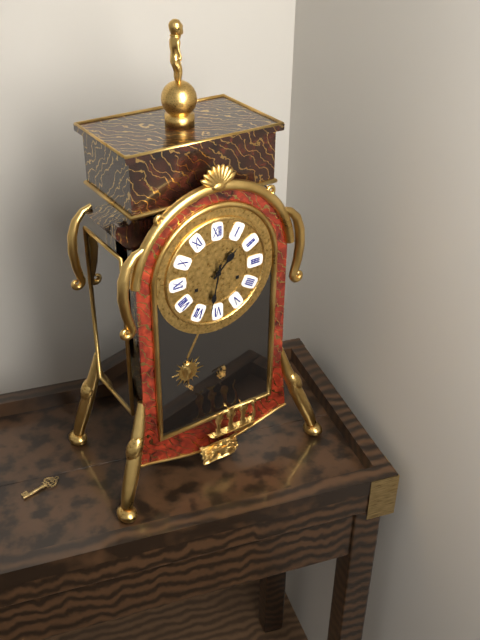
1:32
